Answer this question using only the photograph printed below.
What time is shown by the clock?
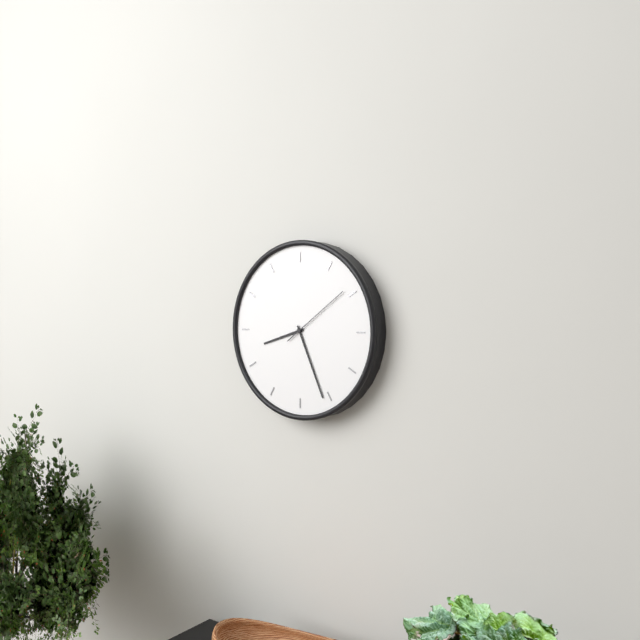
8:26:09
